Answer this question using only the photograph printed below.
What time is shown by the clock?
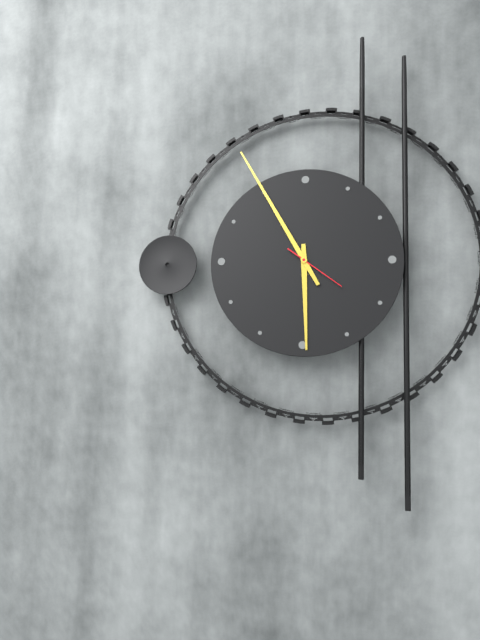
5:55:21
